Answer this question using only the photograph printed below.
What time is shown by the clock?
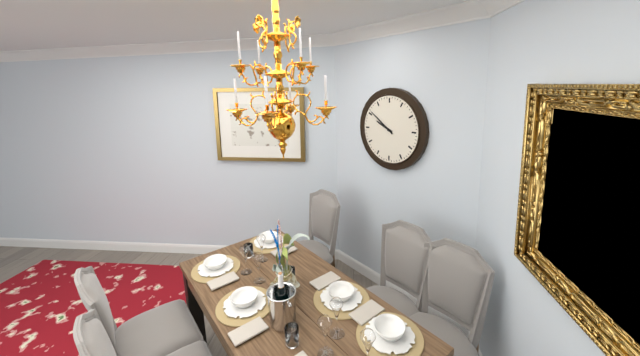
9:51
